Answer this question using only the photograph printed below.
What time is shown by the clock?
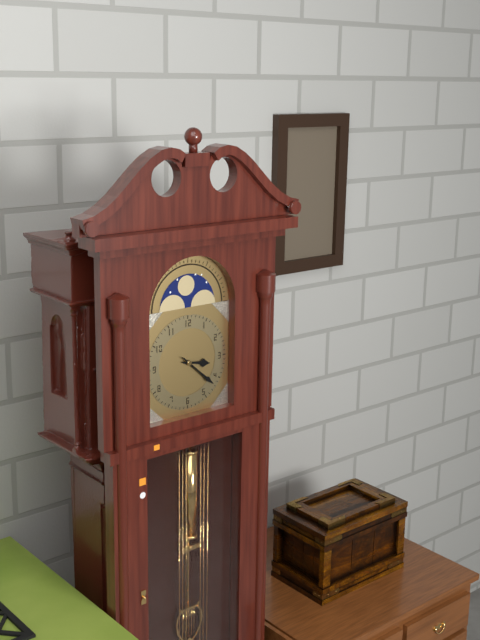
3:22
